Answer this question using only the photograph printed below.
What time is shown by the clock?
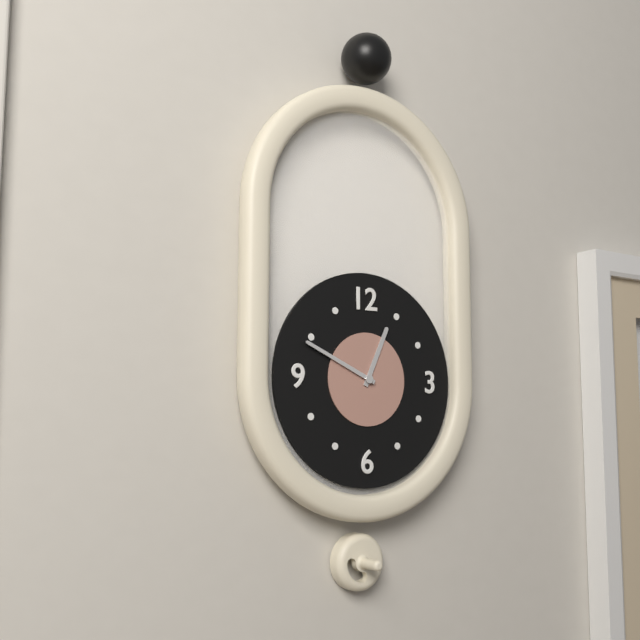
12:49
